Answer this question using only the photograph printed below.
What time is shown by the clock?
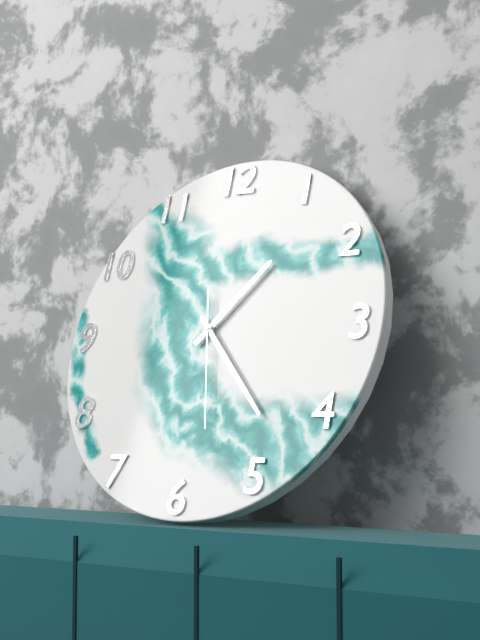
1:23:28
